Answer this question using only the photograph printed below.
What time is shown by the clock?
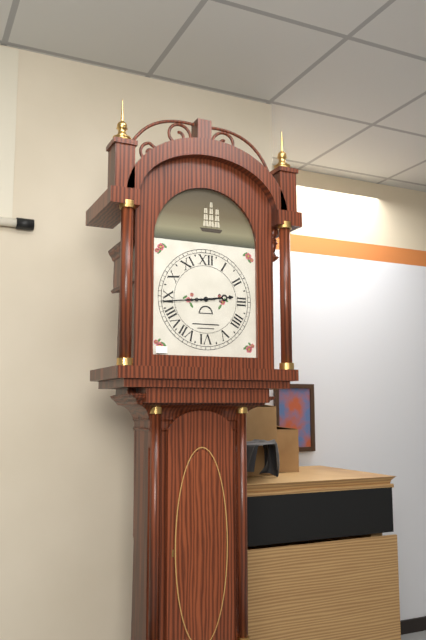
2:44
